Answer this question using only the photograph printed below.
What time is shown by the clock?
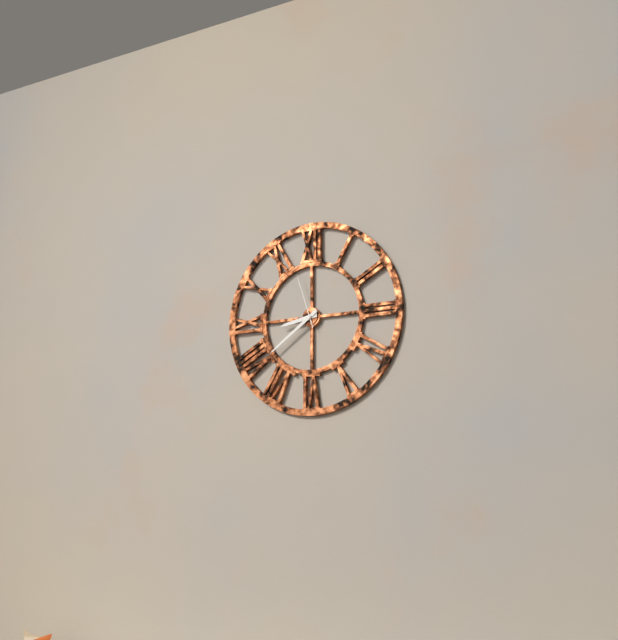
8:39:57
